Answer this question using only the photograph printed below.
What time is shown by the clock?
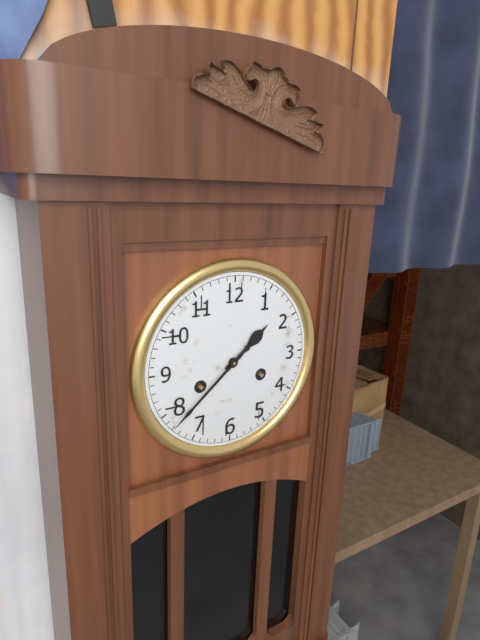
1:38
